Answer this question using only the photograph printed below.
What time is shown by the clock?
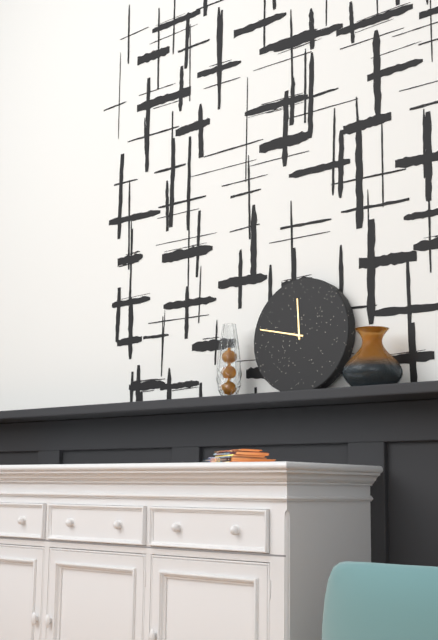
11:47
